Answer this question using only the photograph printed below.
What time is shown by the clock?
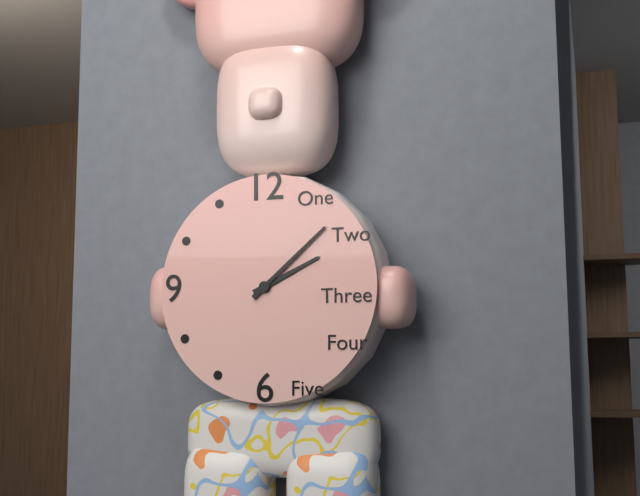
2:08
